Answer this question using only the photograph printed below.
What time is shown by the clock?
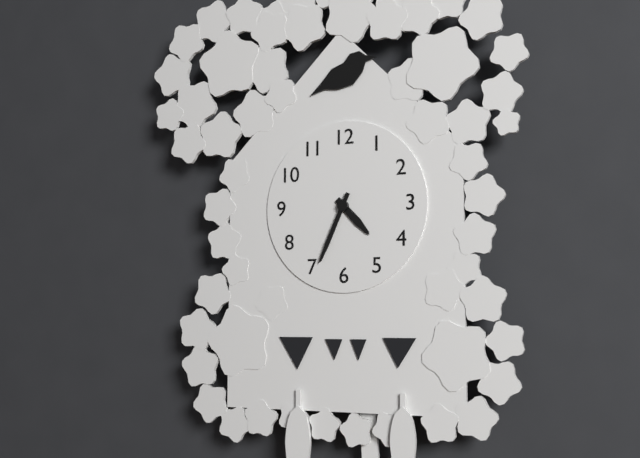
4:34
